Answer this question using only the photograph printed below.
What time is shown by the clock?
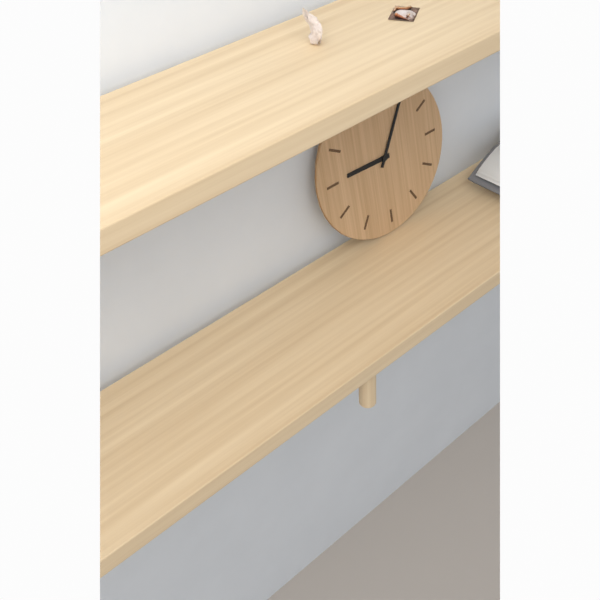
9:05
